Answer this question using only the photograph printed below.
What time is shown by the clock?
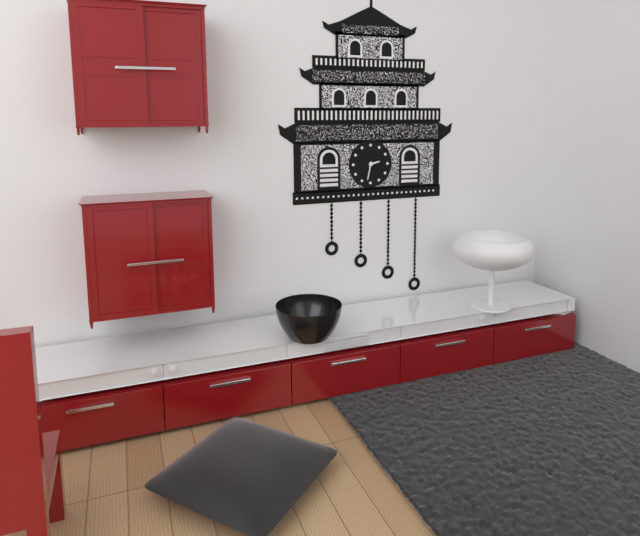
2:32
